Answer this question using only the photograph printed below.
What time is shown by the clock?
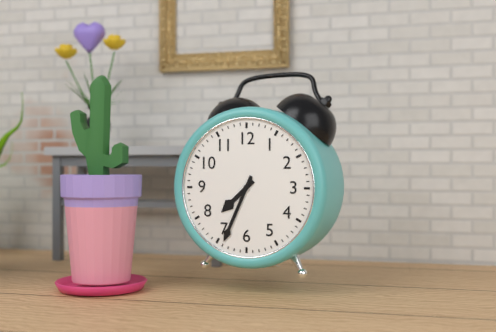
7:34
